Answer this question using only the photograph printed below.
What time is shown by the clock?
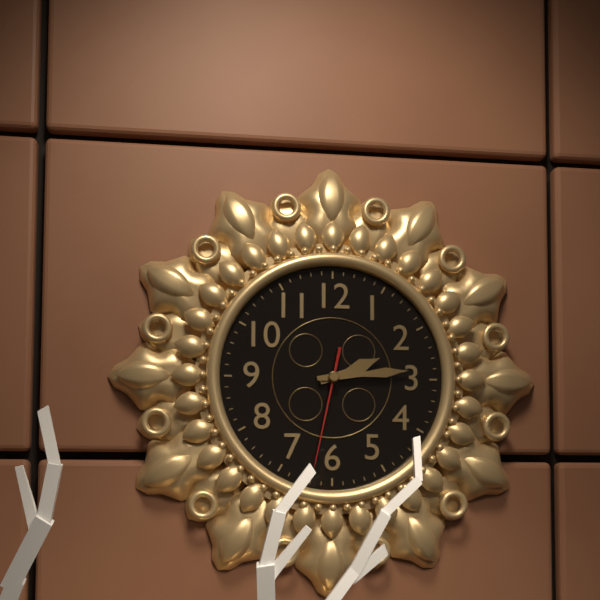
2:14:32
